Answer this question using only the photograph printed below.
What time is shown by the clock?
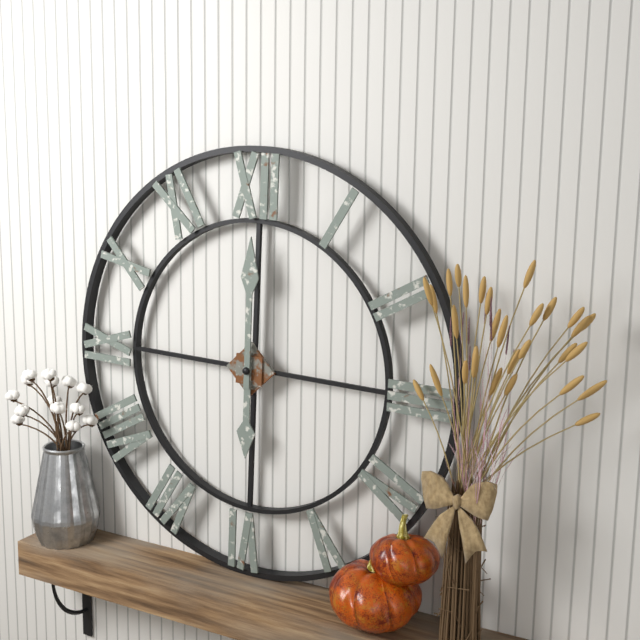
6:00
